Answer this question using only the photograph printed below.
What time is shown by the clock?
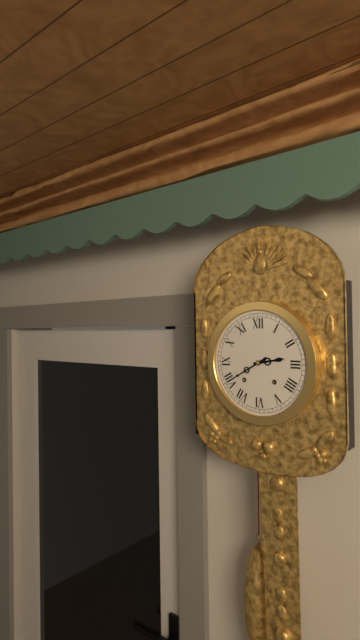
2:40
